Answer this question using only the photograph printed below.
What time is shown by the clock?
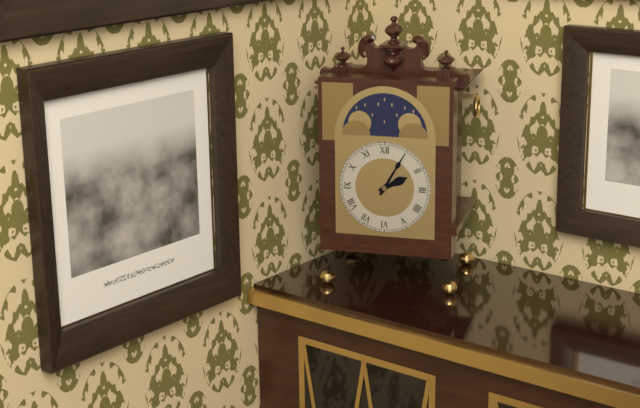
2:05
